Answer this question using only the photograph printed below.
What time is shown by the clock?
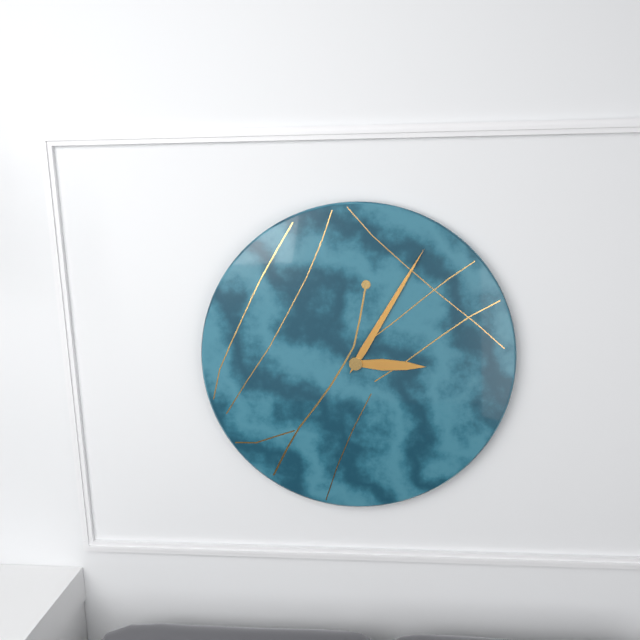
3:05
